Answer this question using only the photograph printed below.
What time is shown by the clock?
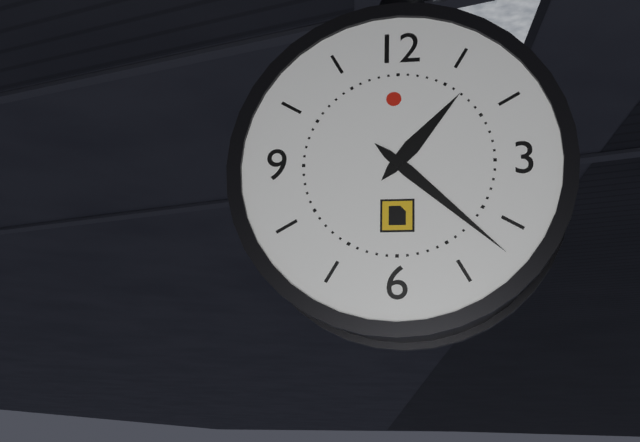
1:22
